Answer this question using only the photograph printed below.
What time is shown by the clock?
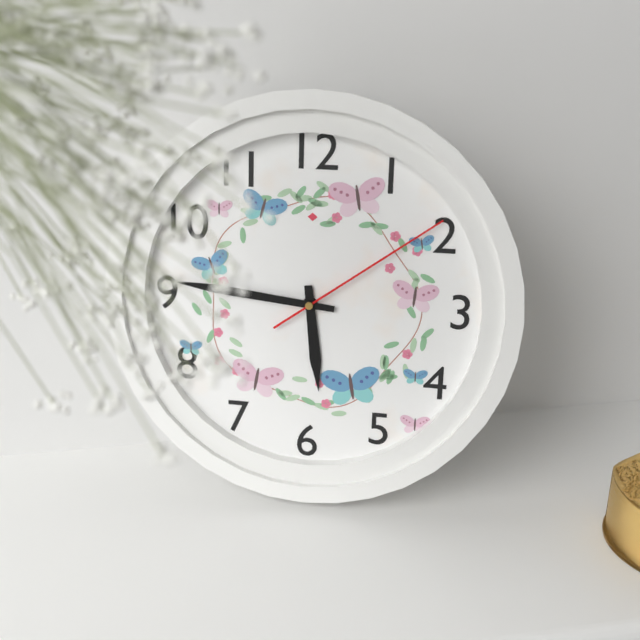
5:46:09
